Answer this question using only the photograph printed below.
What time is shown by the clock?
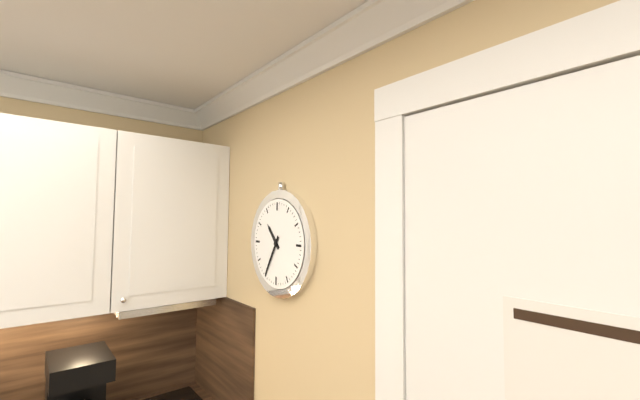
10:35
